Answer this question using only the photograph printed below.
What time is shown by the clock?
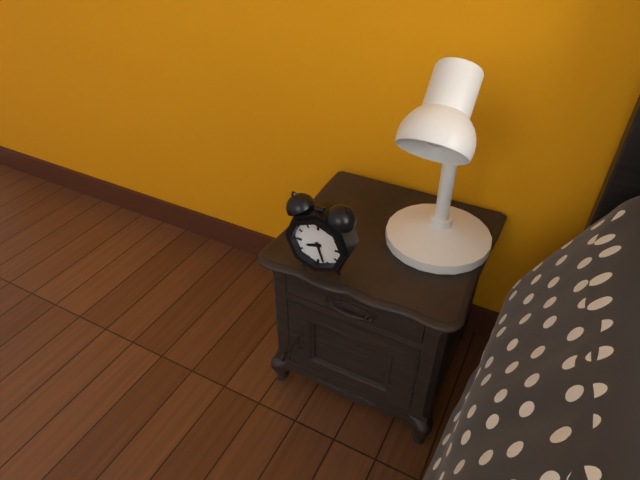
8:27
